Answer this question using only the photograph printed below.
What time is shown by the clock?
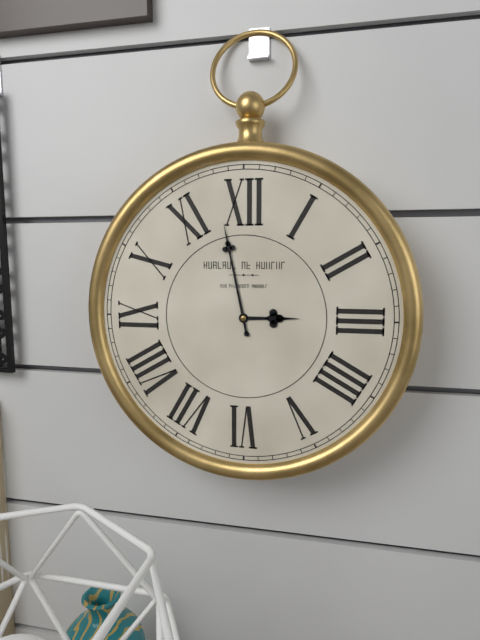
2:58
